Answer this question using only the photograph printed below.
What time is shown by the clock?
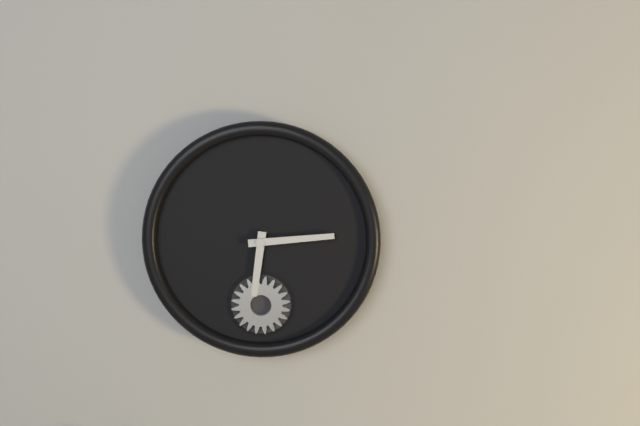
6:14
